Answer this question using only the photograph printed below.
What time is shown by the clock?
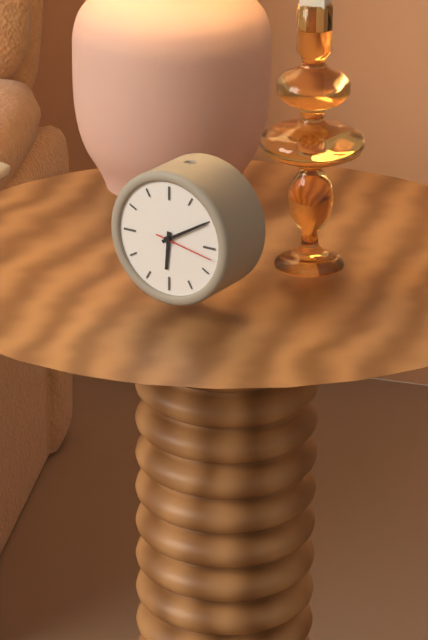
6:10:17
